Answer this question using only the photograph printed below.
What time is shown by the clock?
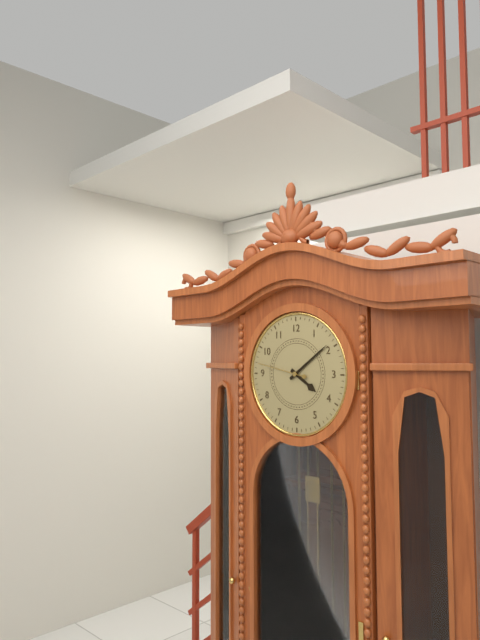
4:09:47
